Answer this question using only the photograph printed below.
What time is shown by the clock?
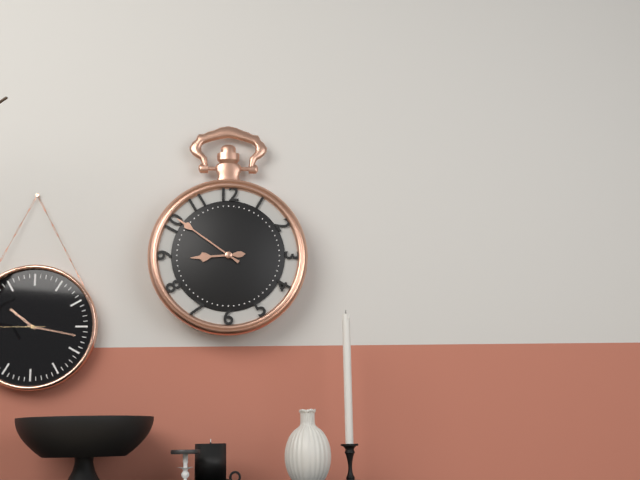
8:51
